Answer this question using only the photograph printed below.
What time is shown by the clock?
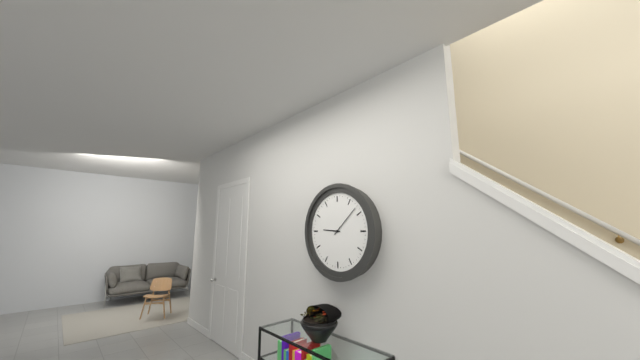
9:08
